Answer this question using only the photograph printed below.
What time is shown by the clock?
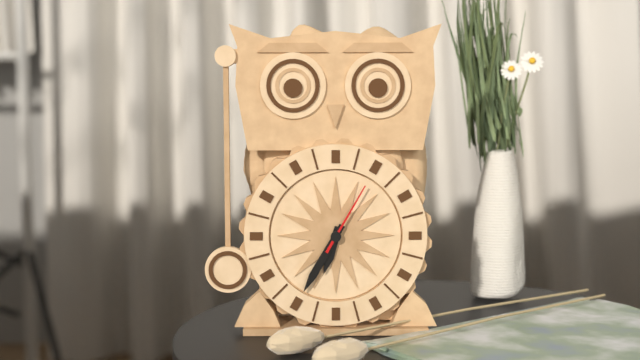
6:35:05
